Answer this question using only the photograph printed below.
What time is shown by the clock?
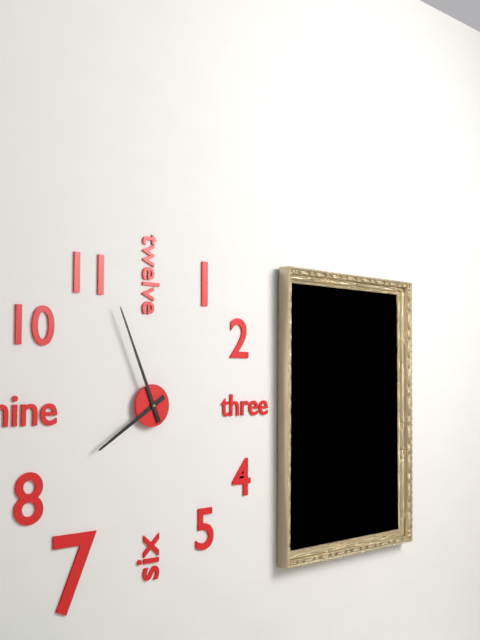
7:56
